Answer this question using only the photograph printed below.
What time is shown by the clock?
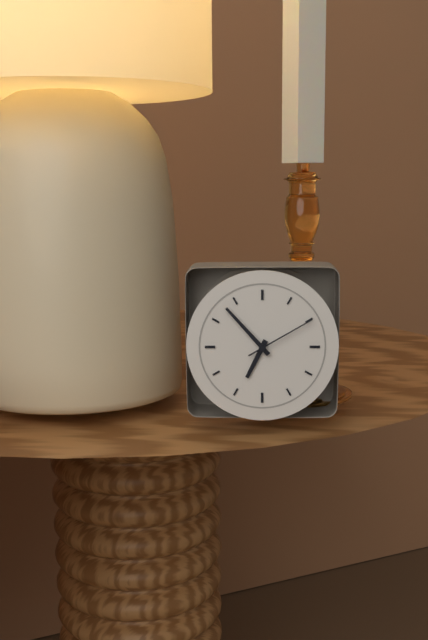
6:53:10
